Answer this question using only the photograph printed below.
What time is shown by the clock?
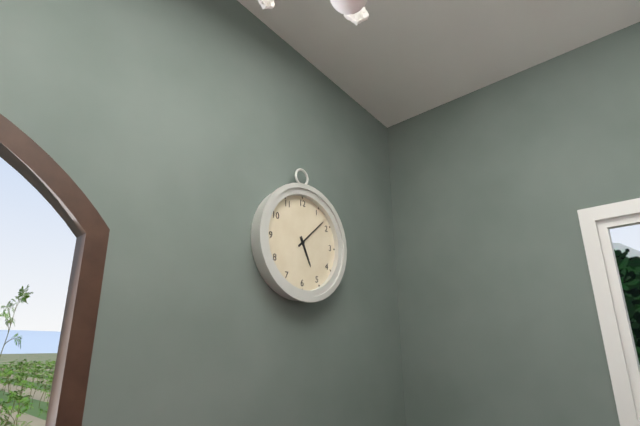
5:08
